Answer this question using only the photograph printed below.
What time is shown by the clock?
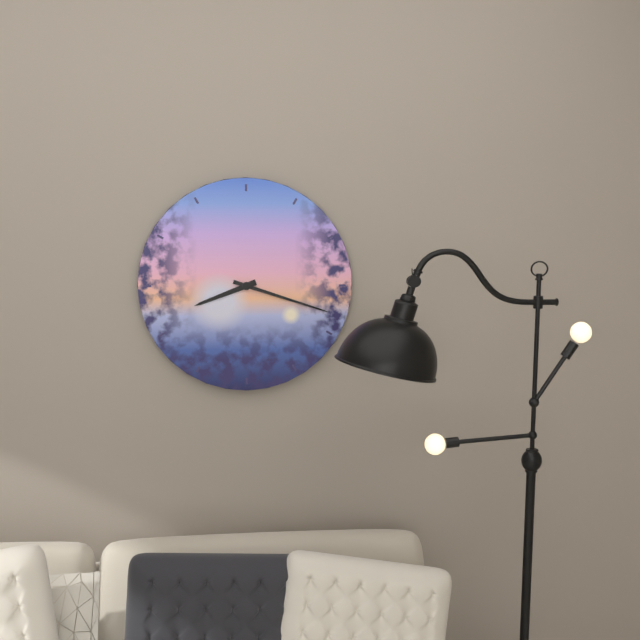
8:18
